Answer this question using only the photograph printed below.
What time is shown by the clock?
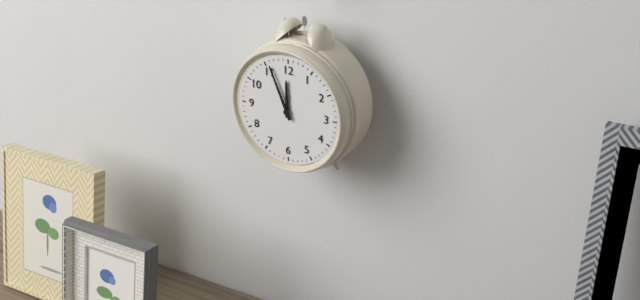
11:56
